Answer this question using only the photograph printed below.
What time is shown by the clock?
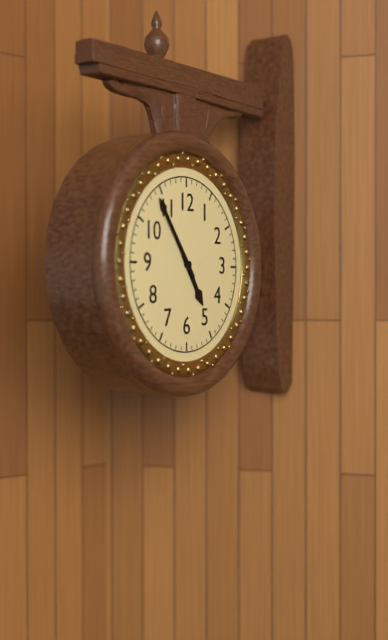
4:54
